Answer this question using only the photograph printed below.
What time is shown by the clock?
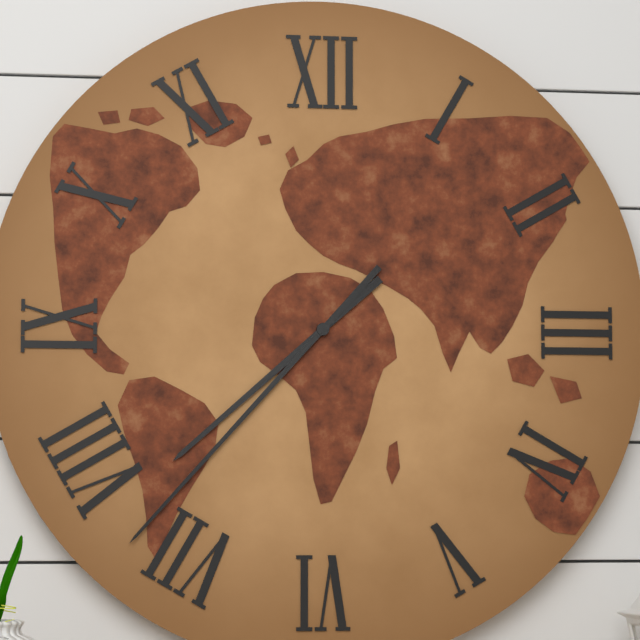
7:37
